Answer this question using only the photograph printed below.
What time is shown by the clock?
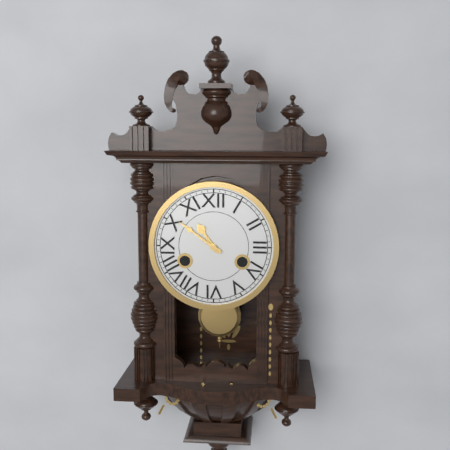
10:51
